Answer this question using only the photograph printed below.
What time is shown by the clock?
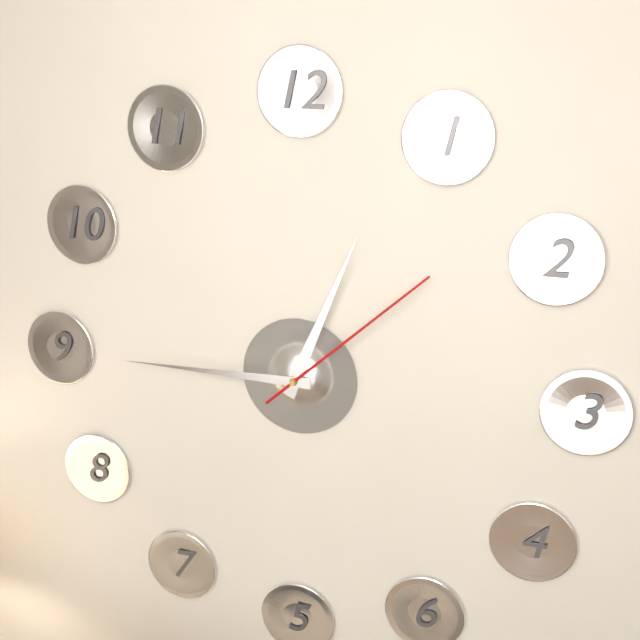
12:45:08
